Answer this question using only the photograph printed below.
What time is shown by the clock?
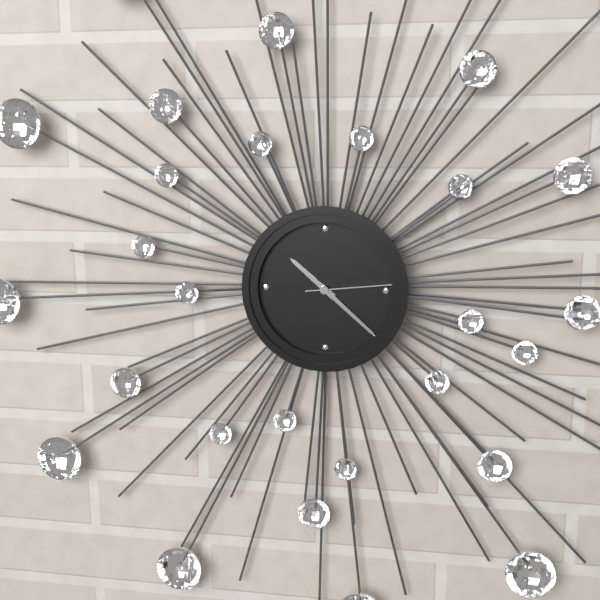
10:22:14
